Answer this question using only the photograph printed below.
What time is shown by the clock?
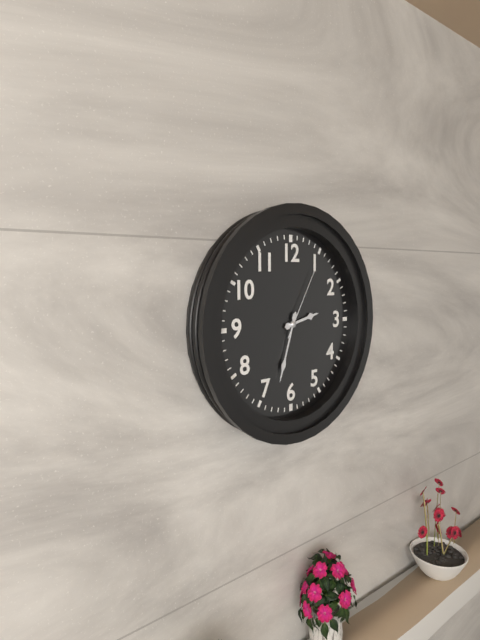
2:33:05
